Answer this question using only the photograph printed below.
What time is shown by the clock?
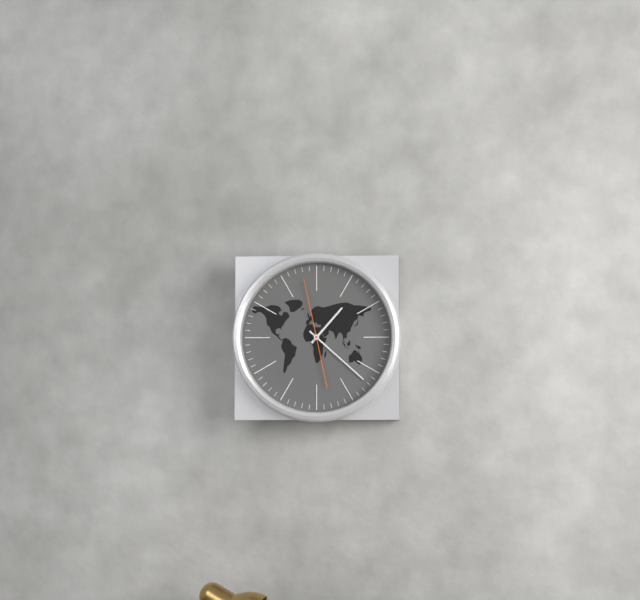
1:22:58
